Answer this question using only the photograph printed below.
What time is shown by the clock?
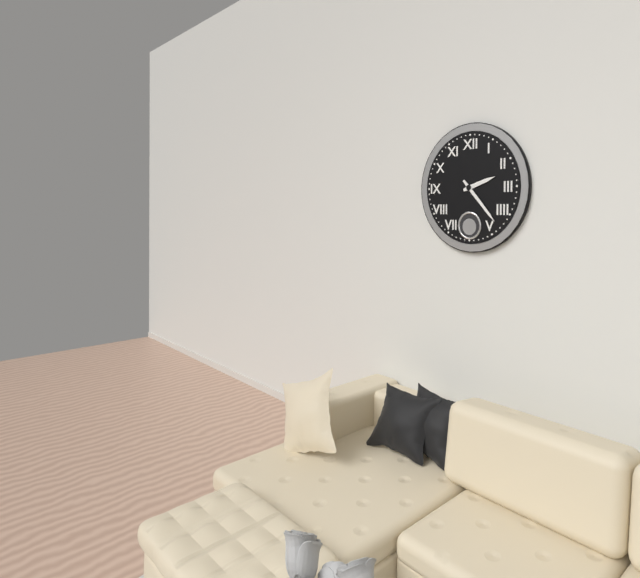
2:23
